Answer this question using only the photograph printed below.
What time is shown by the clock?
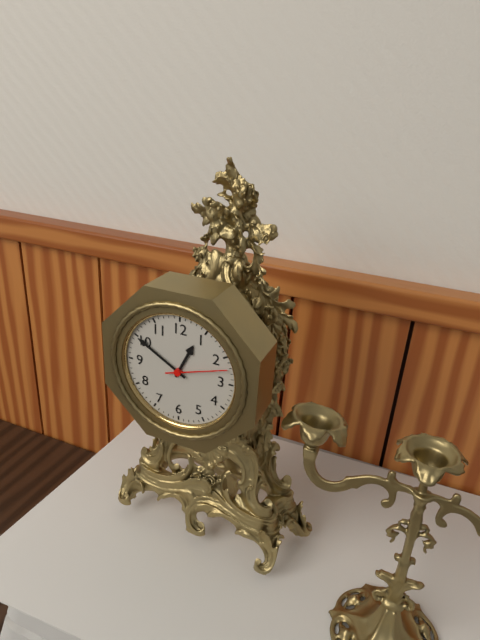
12:50:12
